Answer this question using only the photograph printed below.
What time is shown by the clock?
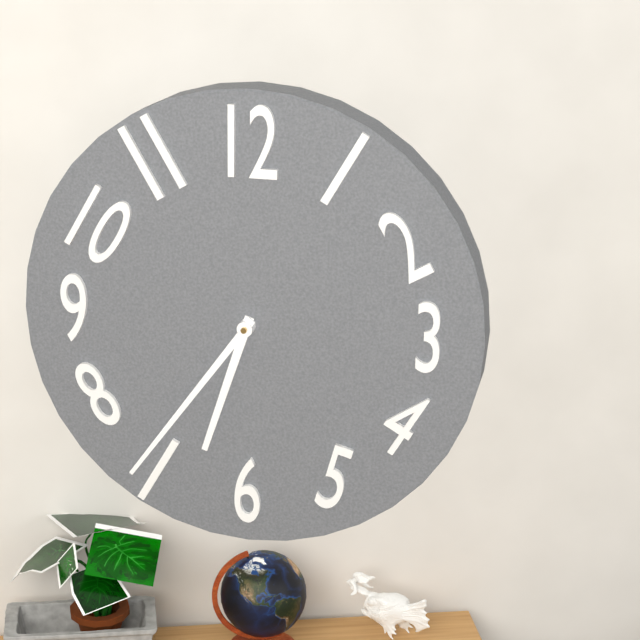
6:36
